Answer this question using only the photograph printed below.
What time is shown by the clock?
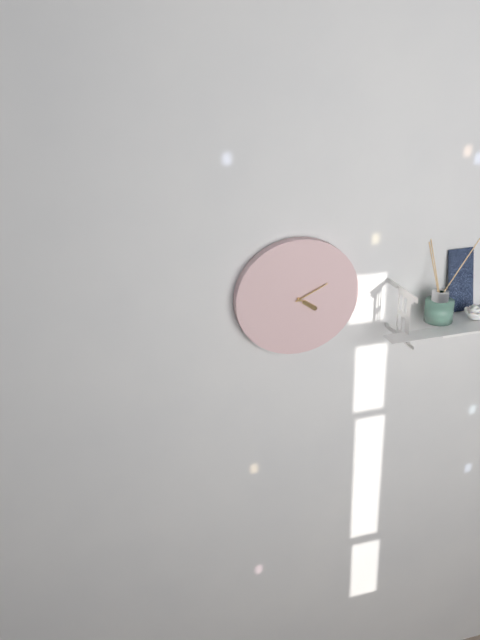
4:11
